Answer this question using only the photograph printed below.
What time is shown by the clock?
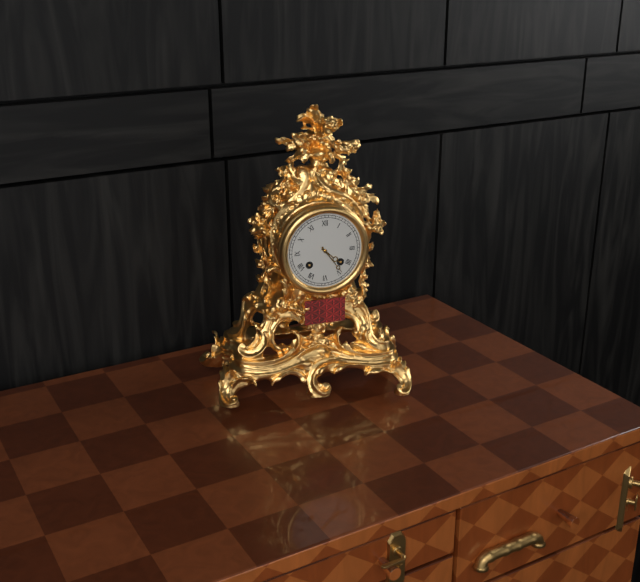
4:24
